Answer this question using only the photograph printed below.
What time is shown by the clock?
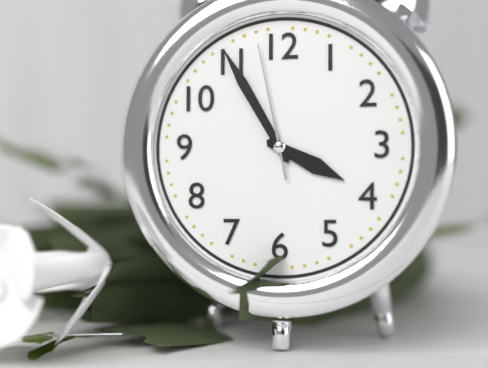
3:55:58
